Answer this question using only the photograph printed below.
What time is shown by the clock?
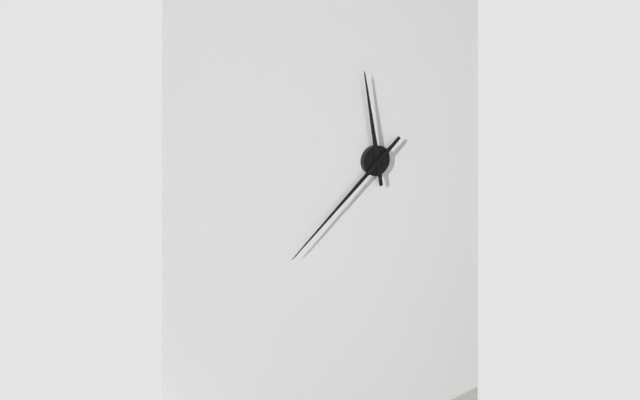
11:38
